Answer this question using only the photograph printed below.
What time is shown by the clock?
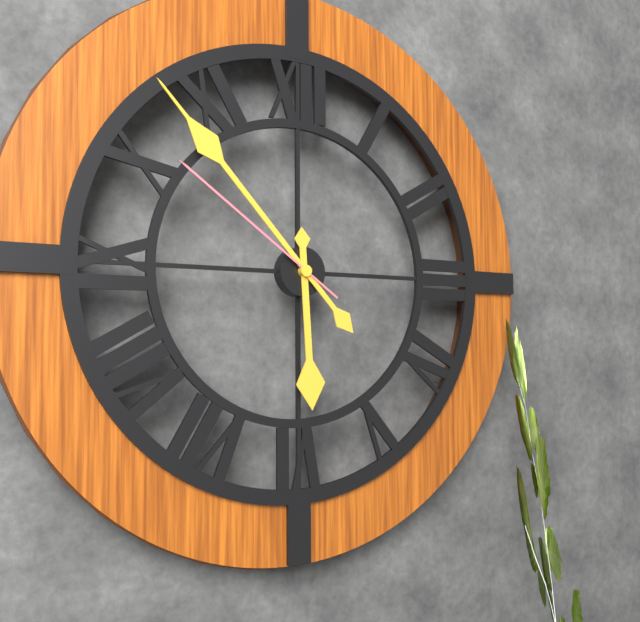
5:53:51
